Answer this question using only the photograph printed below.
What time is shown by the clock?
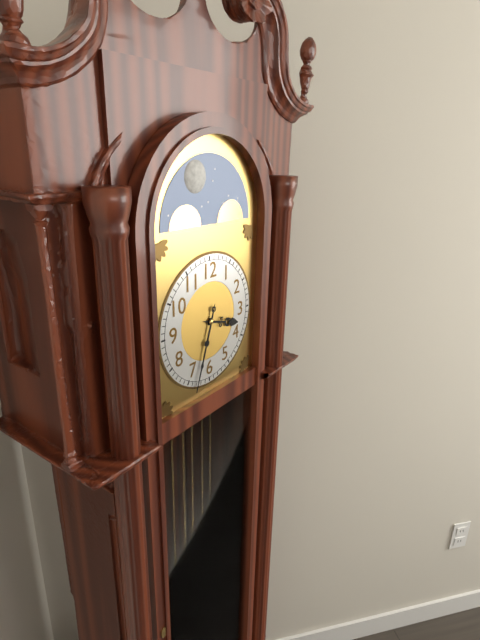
3:33
